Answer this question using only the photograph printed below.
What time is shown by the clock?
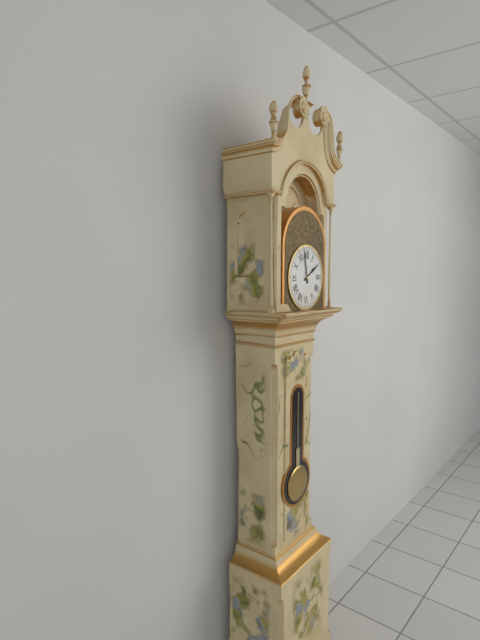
1:58
